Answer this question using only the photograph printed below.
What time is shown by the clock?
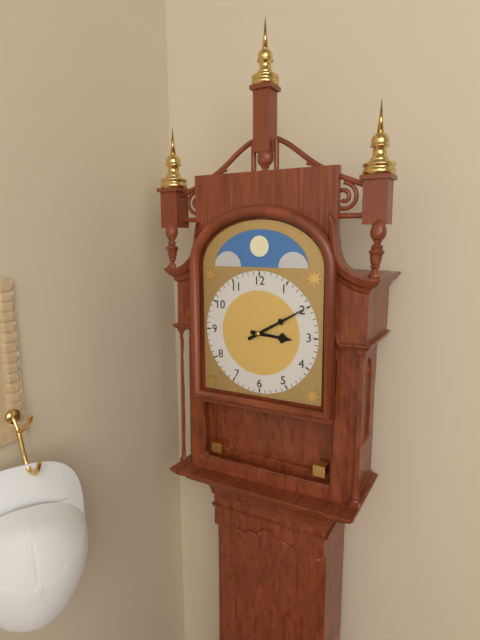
3:10
